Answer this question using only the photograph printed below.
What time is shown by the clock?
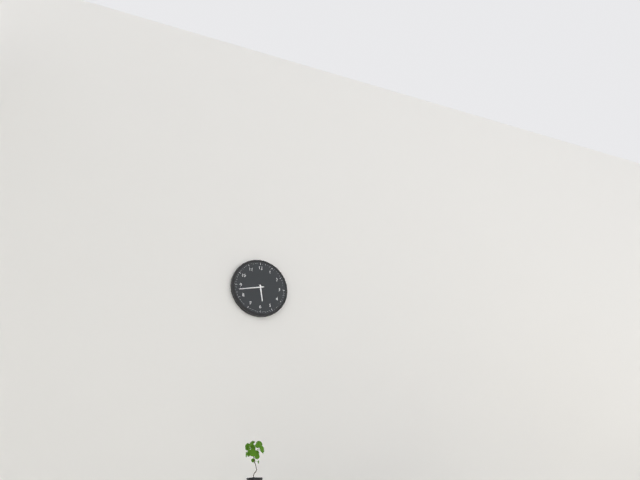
5:43
